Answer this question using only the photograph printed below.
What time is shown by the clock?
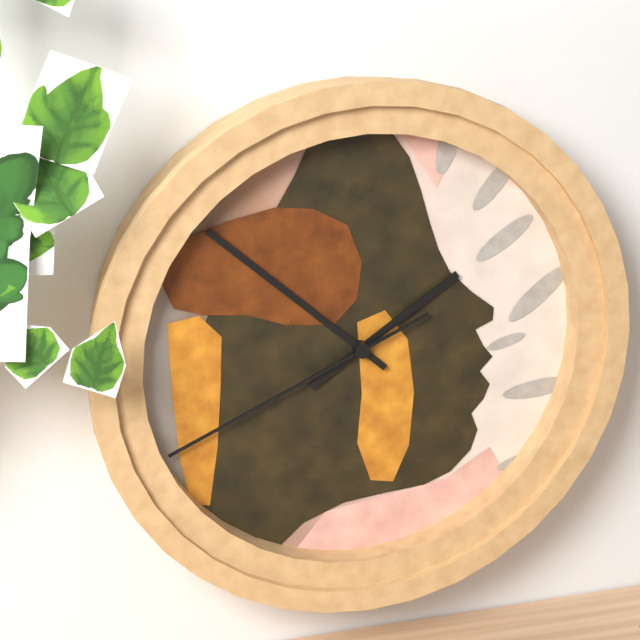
1:52:41
